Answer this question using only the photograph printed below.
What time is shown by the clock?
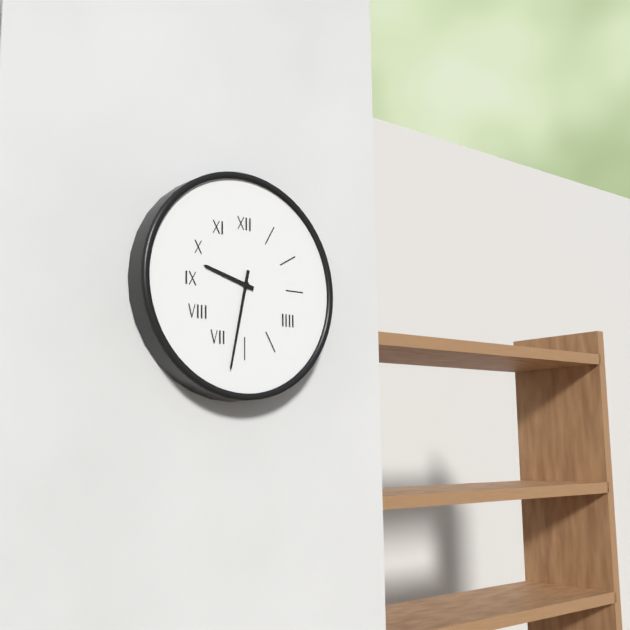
9:32
